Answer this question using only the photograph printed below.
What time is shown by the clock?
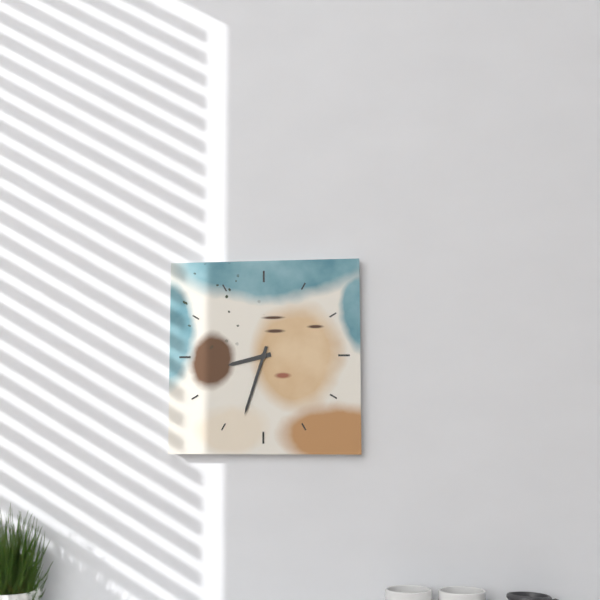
8:33
